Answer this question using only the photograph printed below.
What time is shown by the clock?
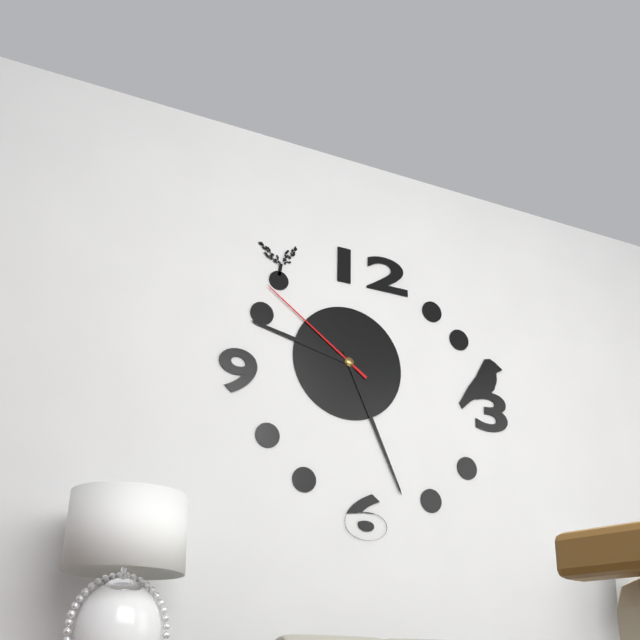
9:26:51
